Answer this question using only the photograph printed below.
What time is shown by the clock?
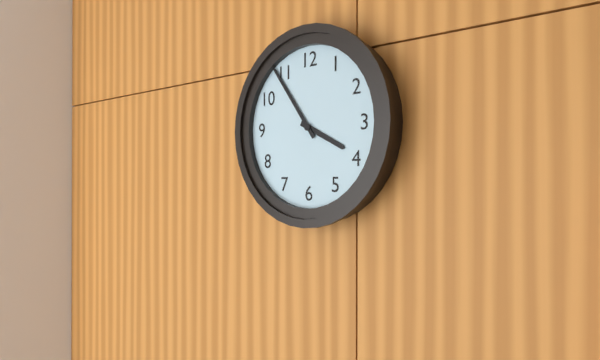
3:54
